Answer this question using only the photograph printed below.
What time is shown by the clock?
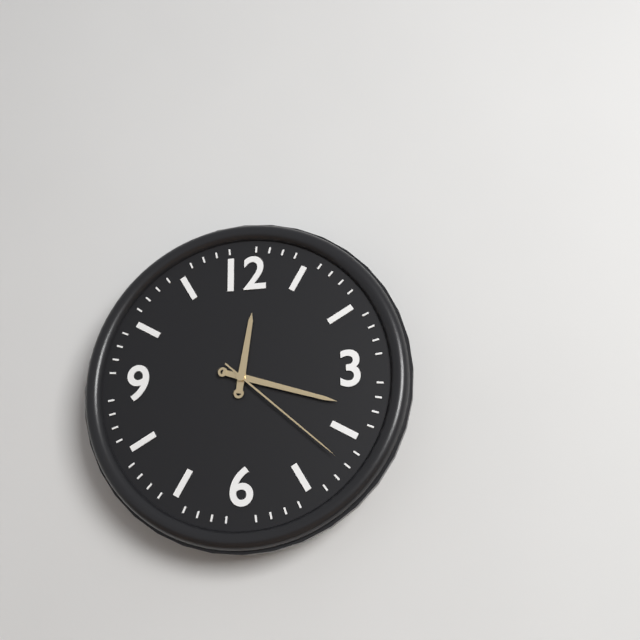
12:18:22
